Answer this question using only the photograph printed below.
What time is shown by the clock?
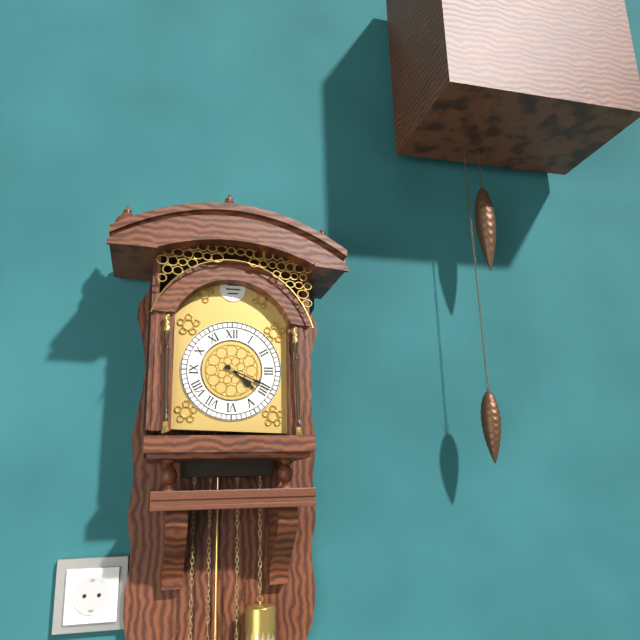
4:19
